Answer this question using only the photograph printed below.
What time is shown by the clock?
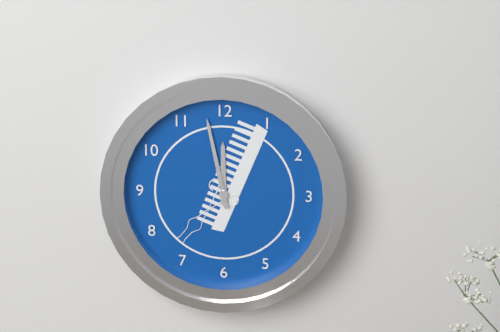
11:58
